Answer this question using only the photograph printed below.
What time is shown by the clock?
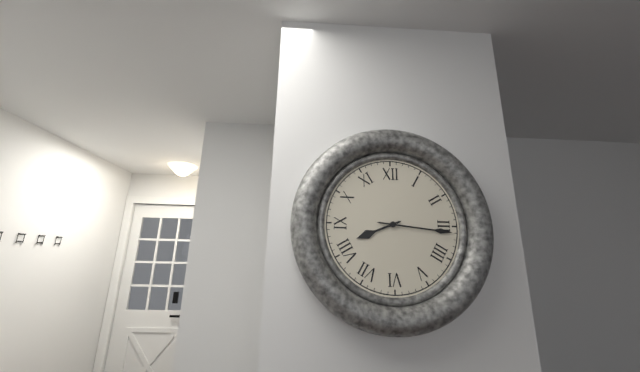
8:16
